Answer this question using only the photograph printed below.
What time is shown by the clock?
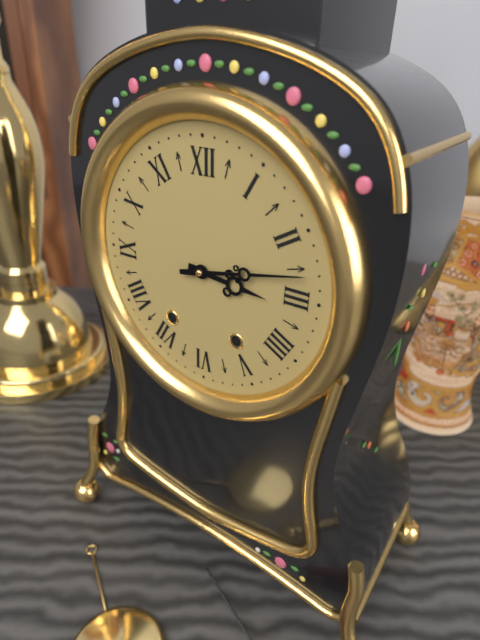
3:13
